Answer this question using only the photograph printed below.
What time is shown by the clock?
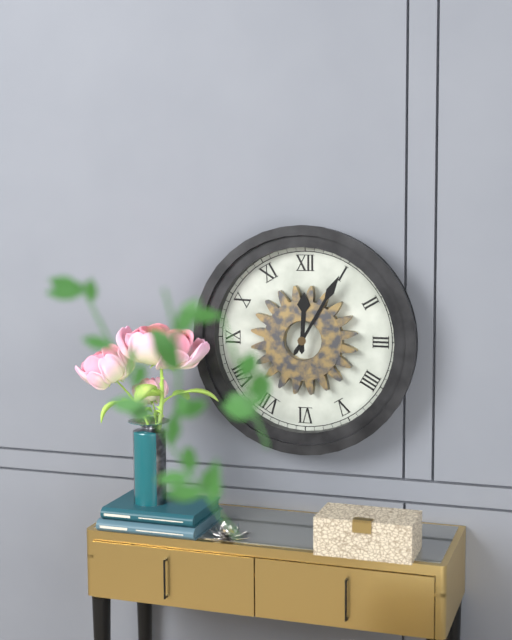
12:05
